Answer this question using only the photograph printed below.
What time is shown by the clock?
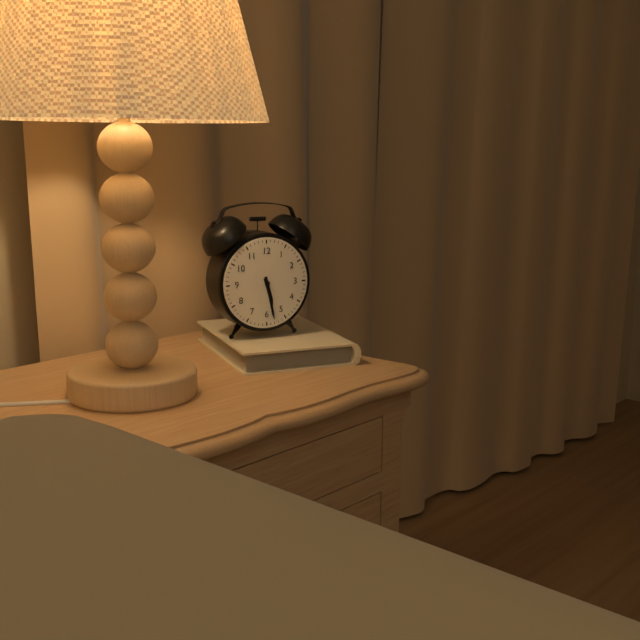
5:28
